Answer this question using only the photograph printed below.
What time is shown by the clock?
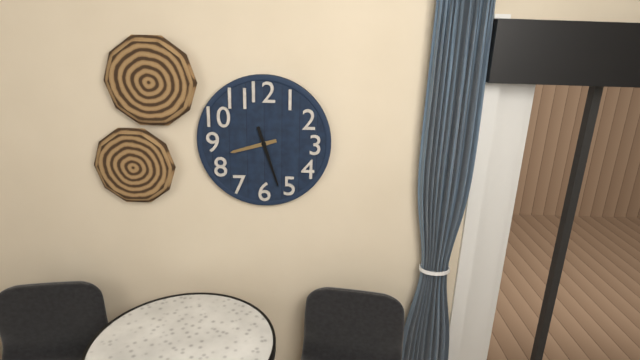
8:27
